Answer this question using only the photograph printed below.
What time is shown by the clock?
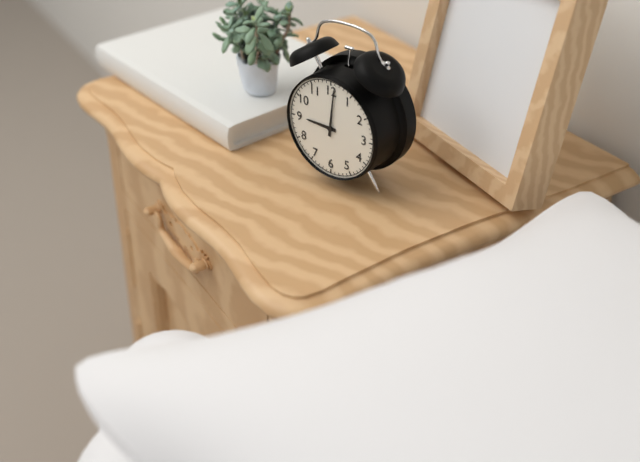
9:01
